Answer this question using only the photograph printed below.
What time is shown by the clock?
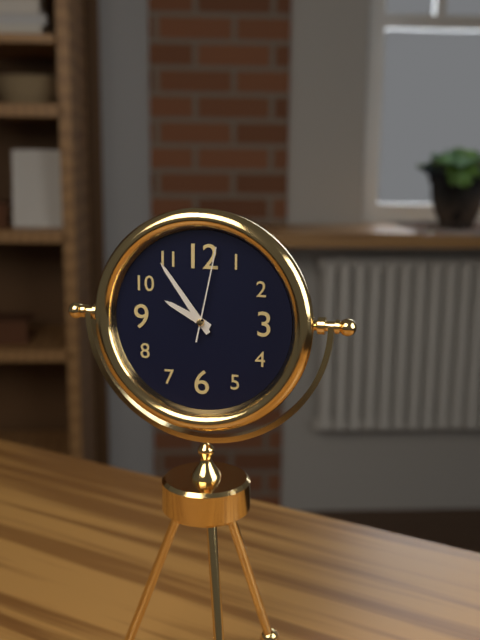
9:54:02
